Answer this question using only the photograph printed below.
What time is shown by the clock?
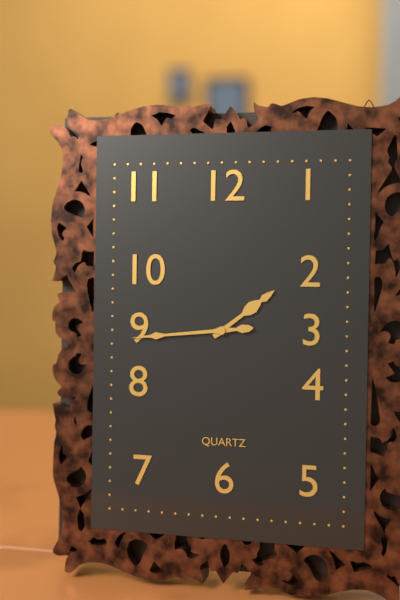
1:44
